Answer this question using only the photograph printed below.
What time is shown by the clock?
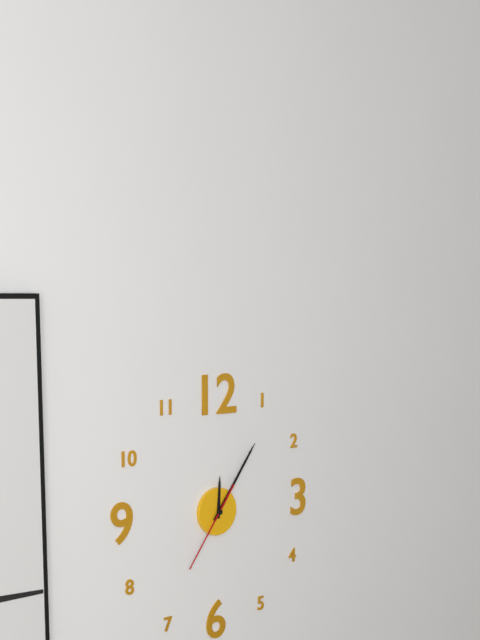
12:06:36
